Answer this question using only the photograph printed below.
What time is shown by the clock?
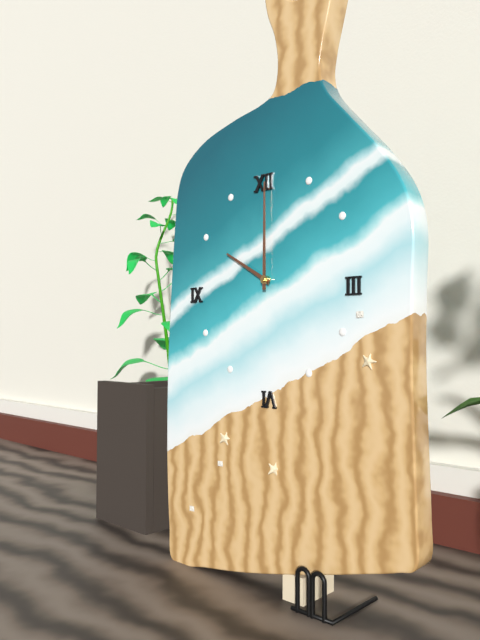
10:00
